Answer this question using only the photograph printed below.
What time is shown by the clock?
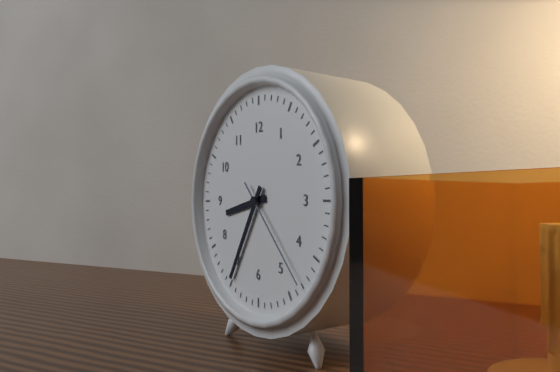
8:35:23
